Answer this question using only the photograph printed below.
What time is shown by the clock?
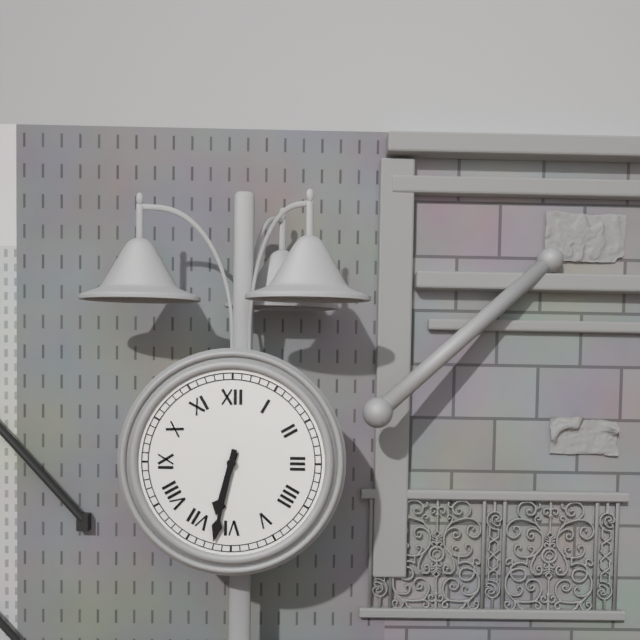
6:32
